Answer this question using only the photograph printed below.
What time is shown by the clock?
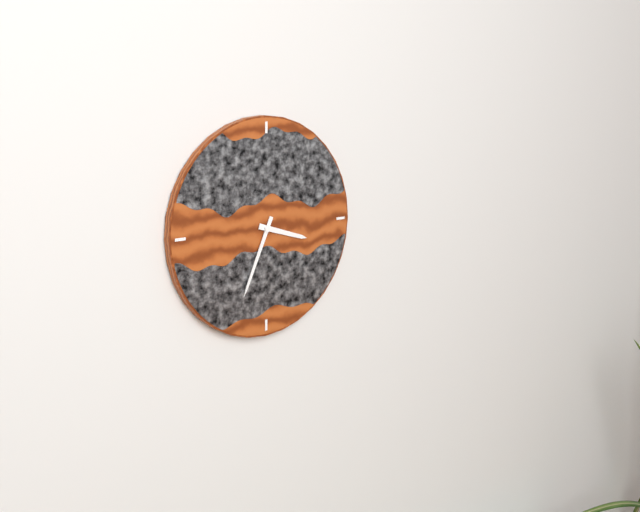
3:34
